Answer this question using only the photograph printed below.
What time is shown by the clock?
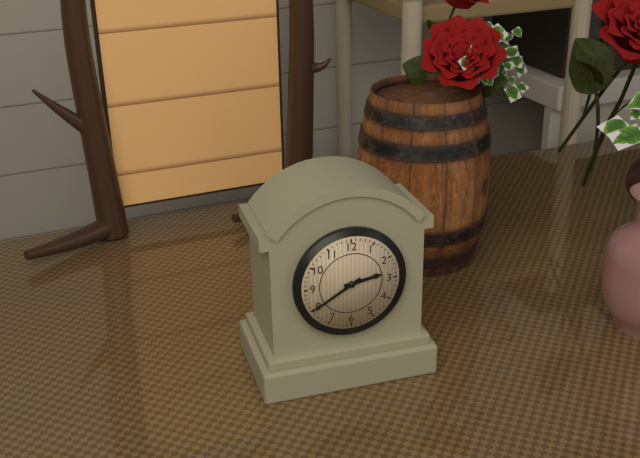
2:40
